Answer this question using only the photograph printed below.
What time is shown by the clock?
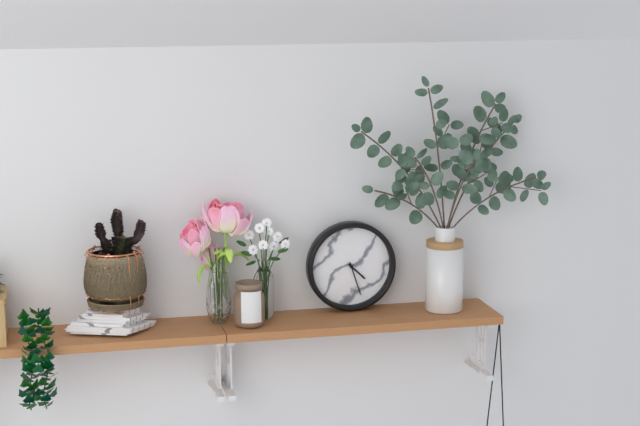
4:27
